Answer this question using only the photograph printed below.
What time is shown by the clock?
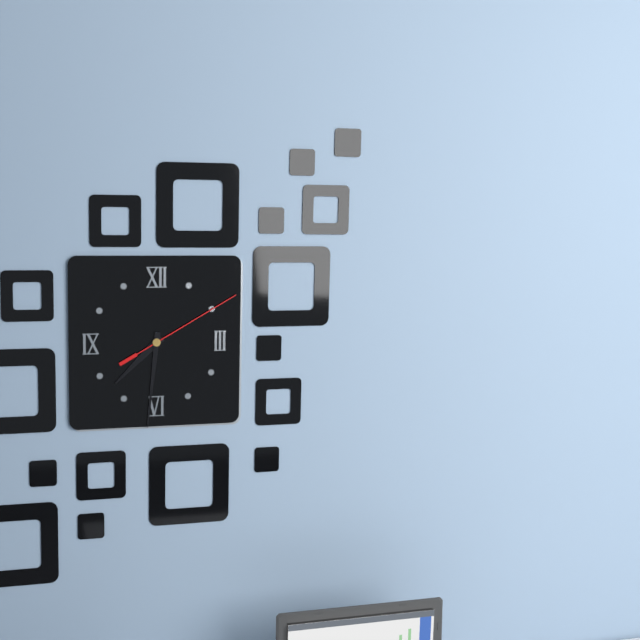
7:31:10
